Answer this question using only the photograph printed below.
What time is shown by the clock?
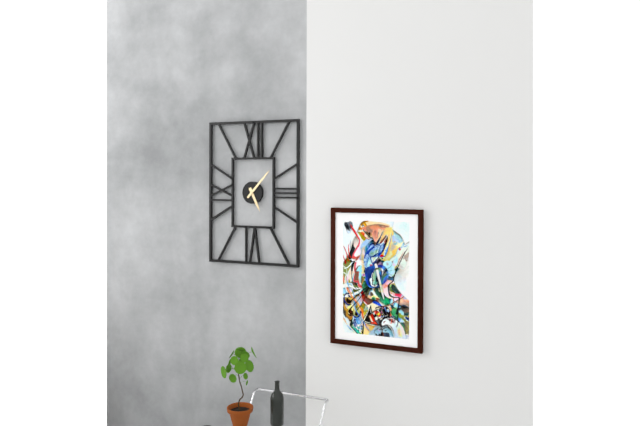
5:07
